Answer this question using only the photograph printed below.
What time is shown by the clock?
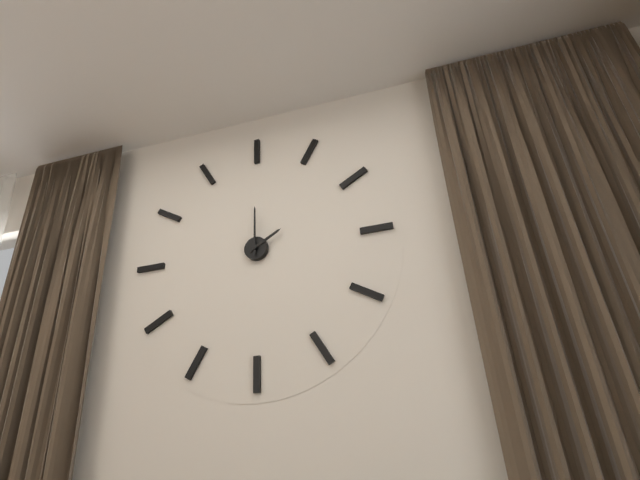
2:00
